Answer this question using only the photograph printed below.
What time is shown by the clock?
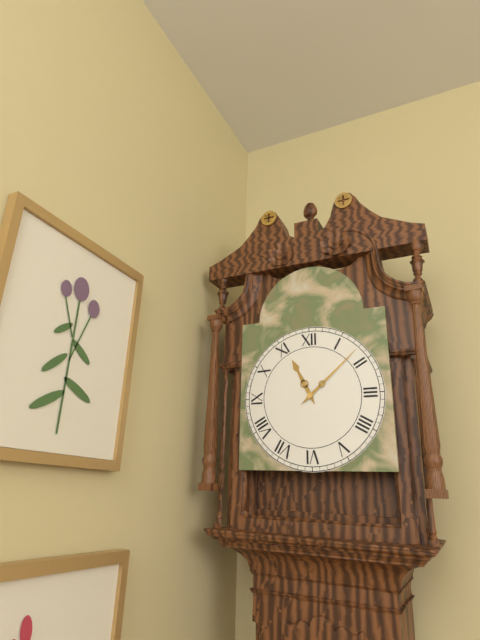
11:08
